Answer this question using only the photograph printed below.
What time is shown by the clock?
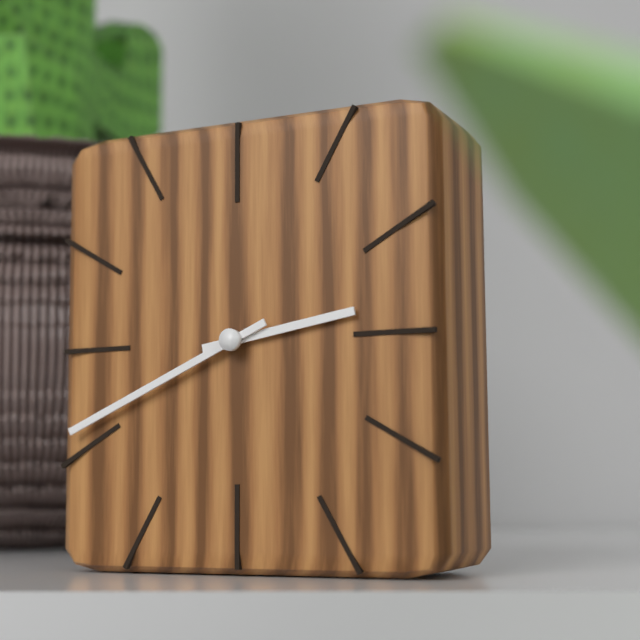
2:41
